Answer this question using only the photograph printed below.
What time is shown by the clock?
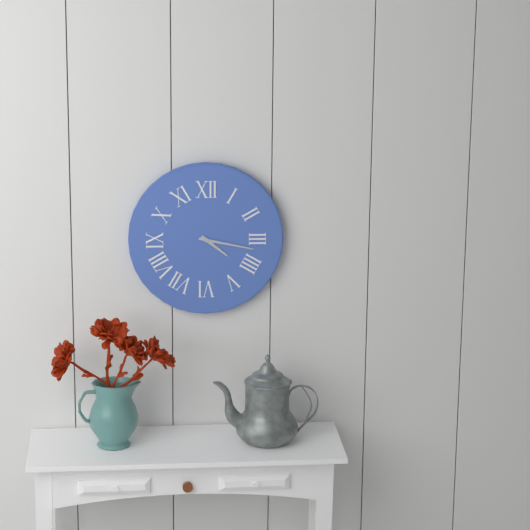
4:17
